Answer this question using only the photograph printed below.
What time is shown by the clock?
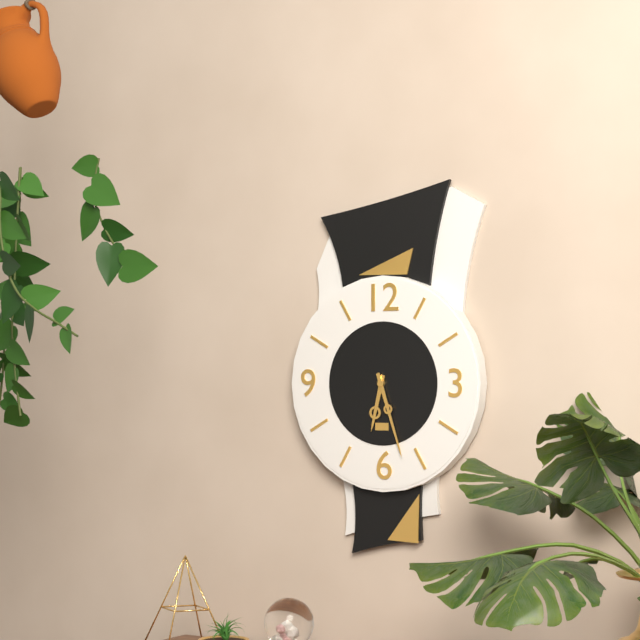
6:27
